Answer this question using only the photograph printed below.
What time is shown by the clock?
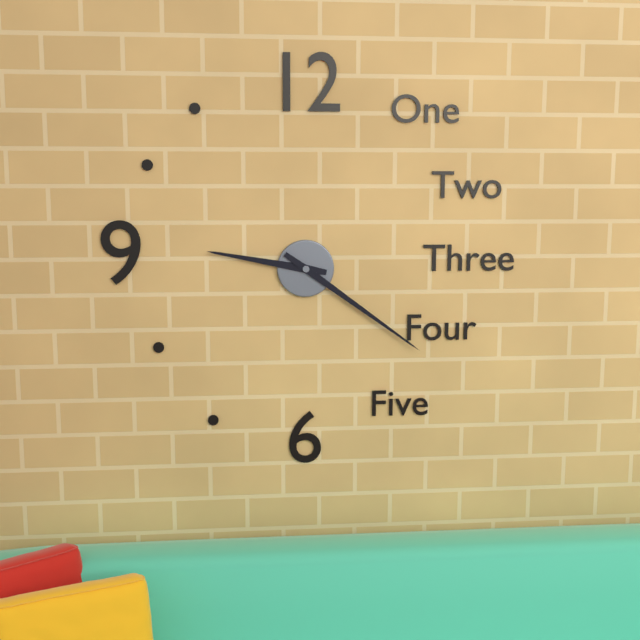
9:21
